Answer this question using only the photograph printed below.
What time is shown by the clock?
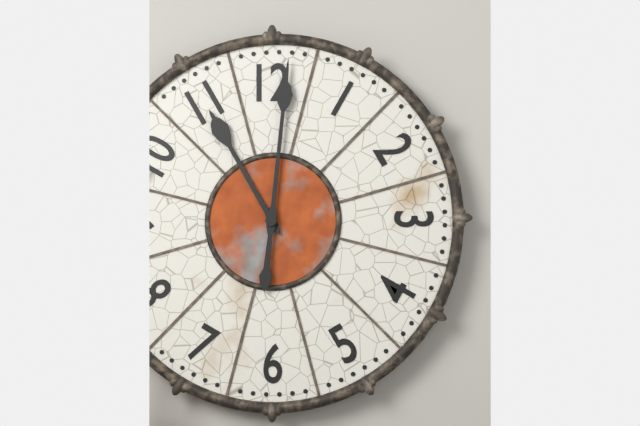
11:01
